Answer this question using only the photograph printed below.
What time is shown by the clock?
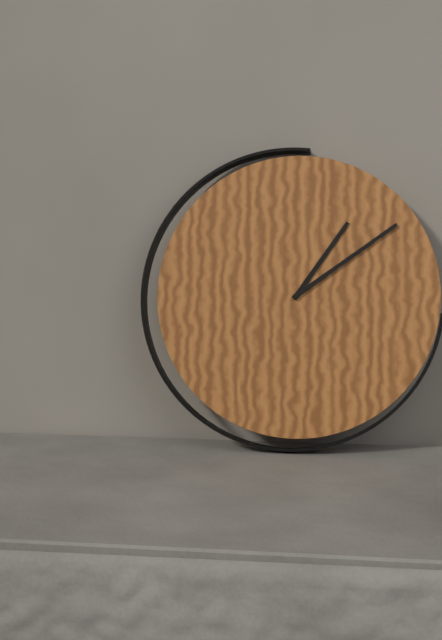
1:09
